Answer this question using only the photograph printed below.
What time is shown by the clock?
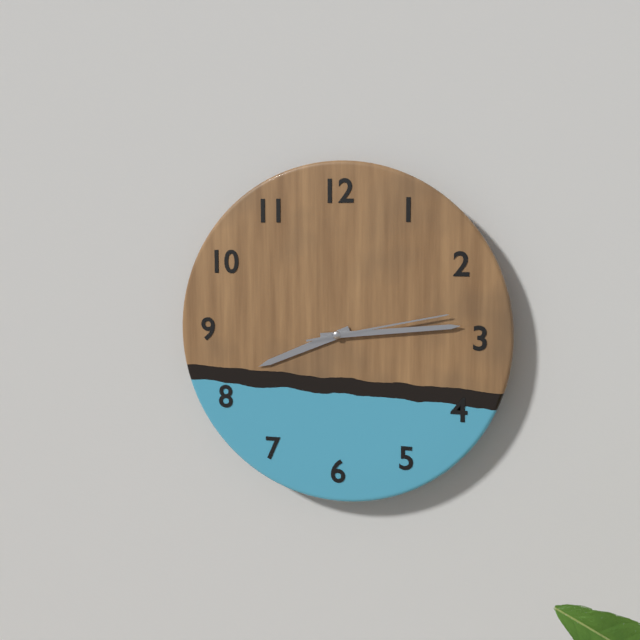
8:14:13
